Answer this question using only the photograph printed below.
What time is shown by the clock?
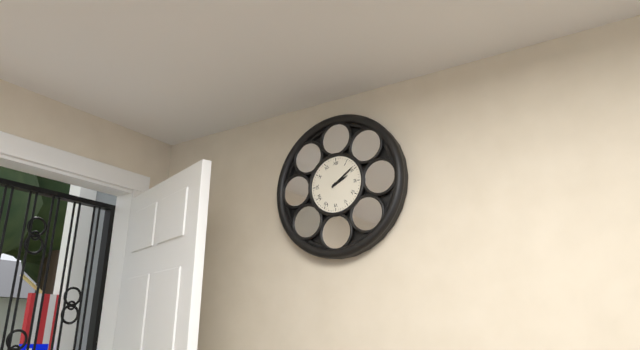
2:09
